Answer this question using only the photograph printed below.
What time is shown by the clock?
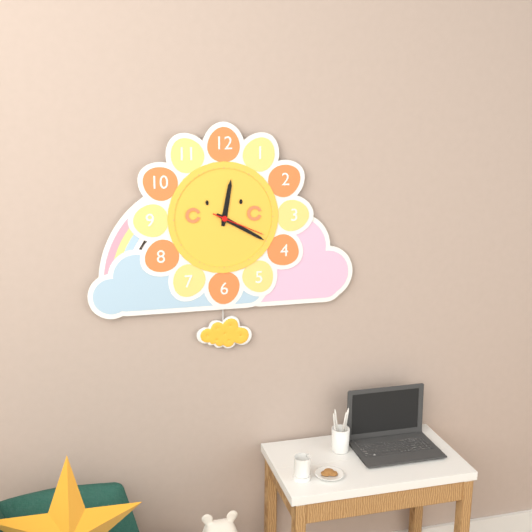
12:20:19
